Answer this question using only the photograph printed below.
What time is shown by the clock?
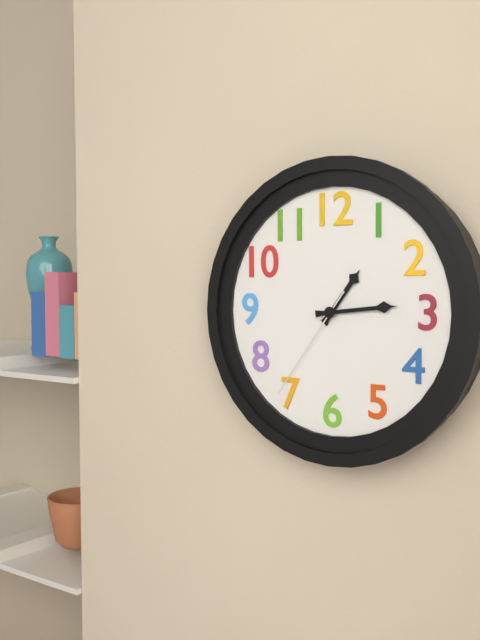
1:14:36
